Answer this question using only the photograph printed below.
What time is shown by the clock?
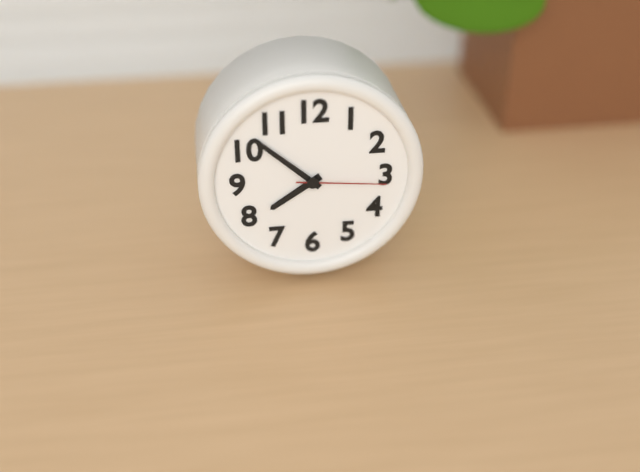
7:52:16
